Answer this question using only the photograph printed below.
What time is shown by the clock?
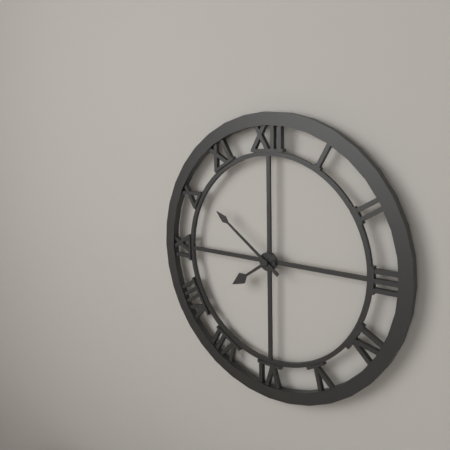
7:51
